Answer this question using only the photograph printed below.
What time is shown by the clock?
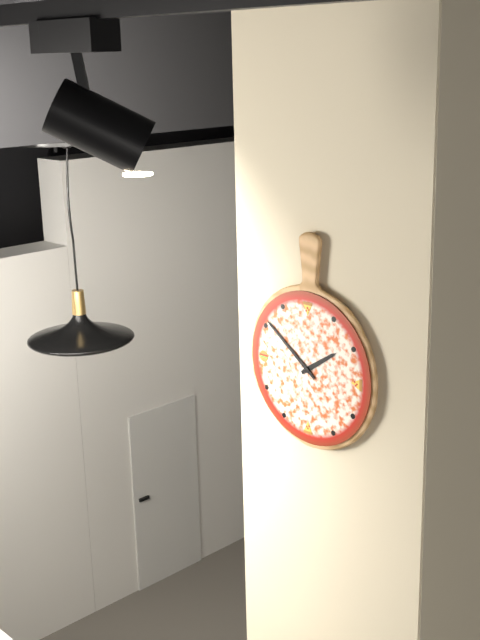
1:51
